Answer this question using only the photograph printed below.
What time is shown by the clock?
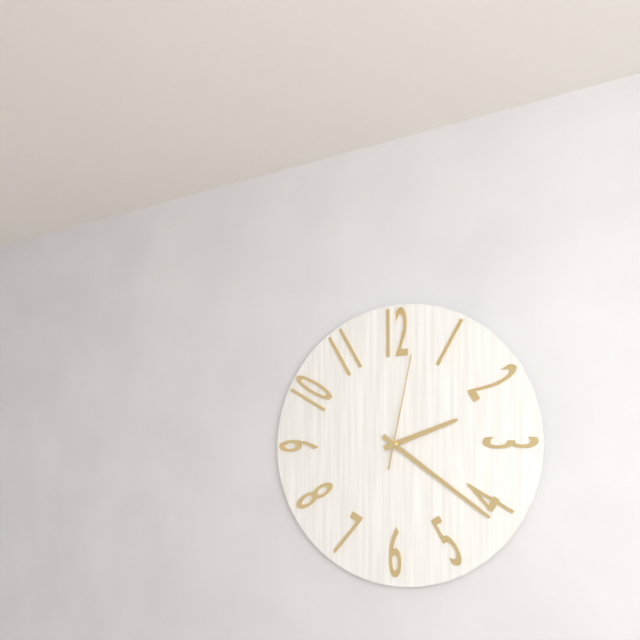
2:21:02
